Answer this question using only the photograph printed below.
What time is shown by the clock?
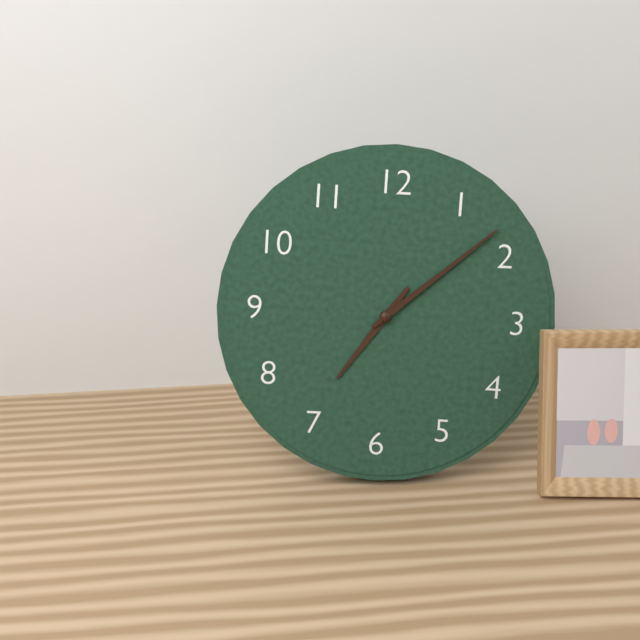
7:08
